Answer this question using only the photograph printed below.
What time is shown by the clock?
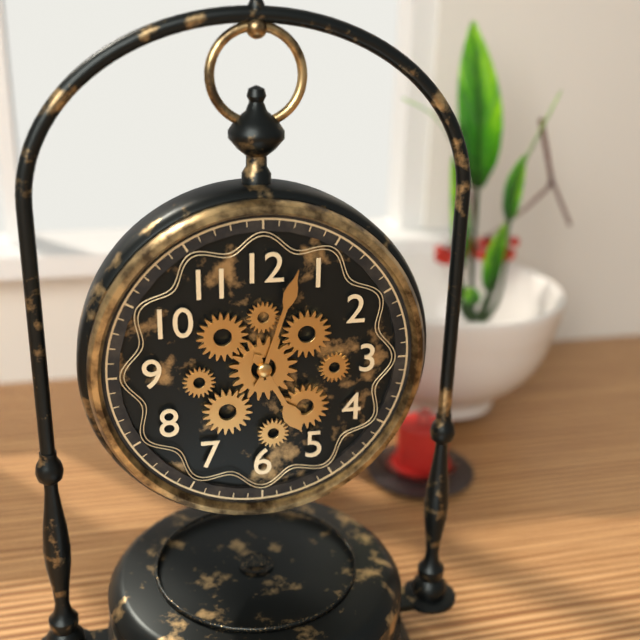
5:03
